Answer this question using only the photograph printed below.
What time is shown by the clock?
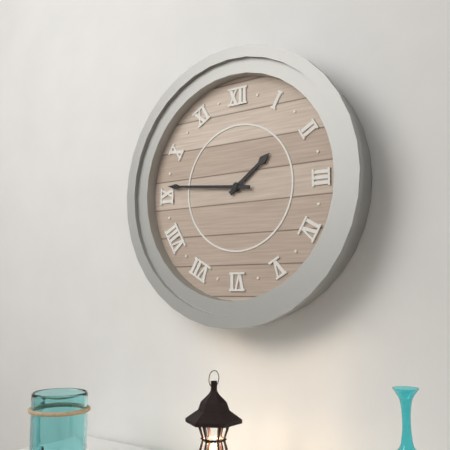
1:46
